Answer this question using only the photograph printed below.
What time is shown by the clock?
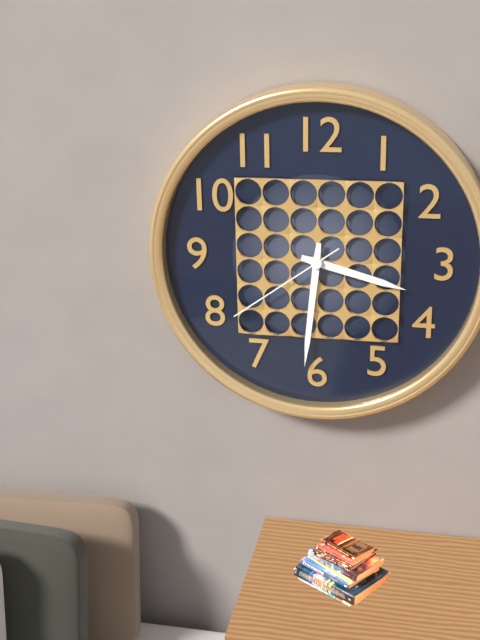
3:31:39
